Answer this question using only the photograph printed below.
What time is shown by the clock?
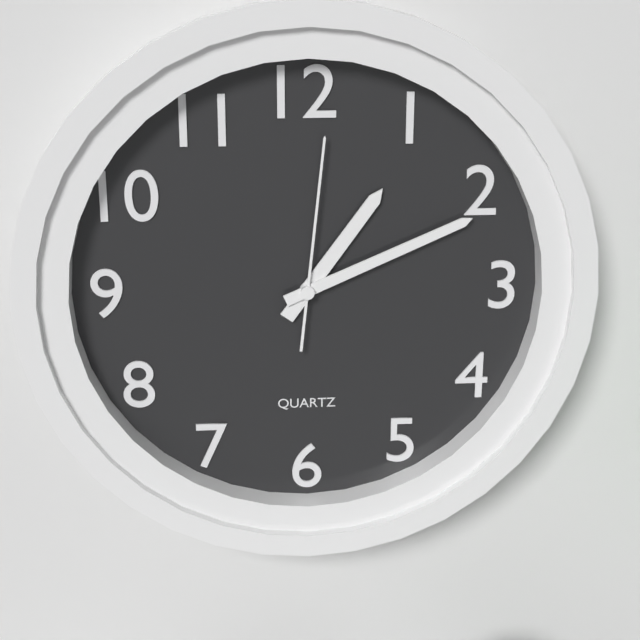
1:11:01
